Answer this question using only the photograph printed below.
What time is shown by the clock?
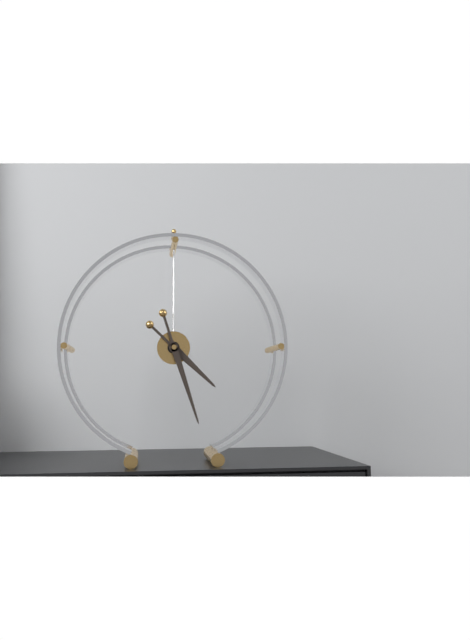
4:27
